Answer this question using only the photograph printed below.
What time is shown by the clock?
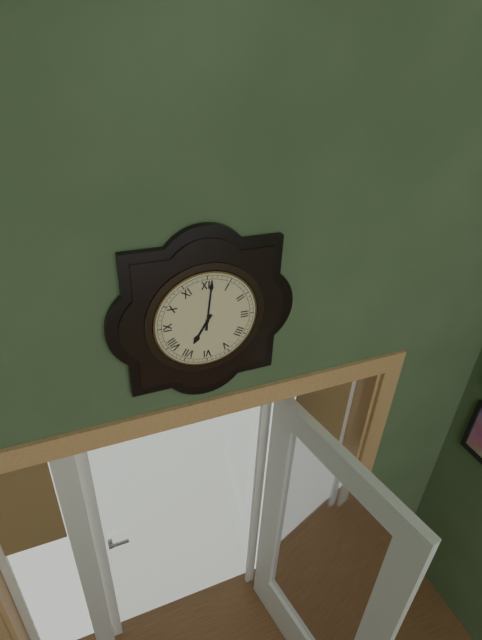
7:01
